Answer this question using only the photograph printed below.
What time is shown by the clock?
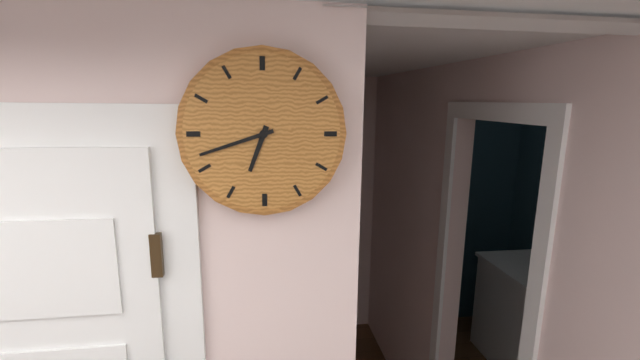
6:42
